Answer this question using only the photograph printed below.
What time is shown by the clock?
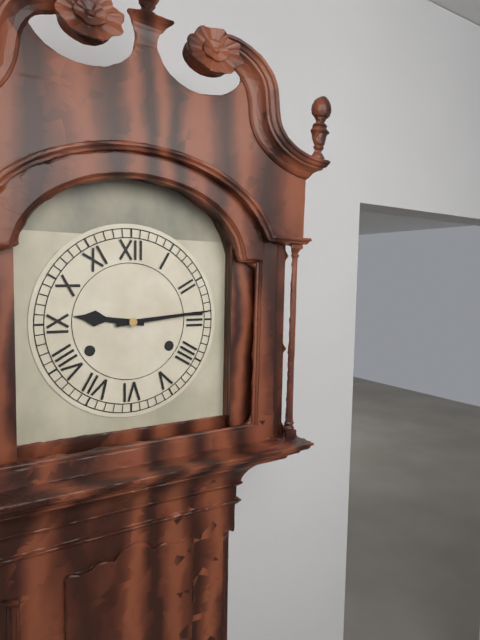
9:14
